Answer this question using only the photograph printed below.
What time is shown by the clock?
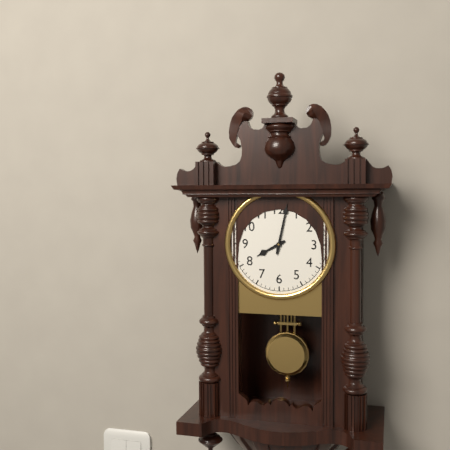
8:02
